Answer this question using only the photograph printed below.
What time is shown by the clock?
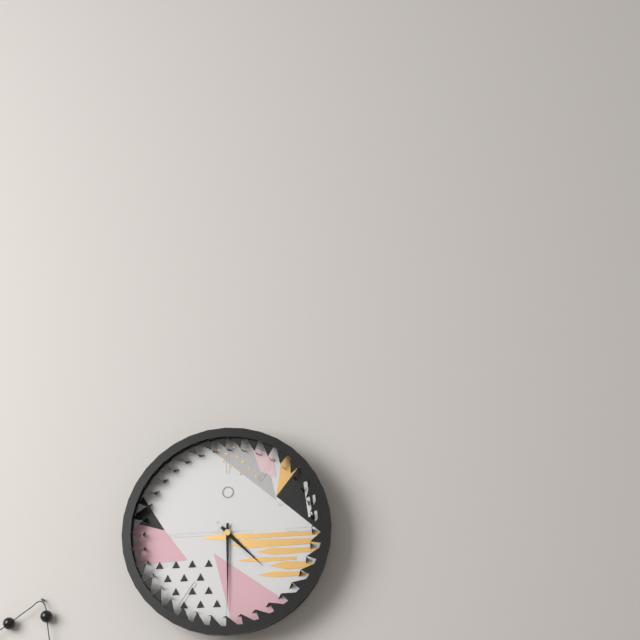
4:30
